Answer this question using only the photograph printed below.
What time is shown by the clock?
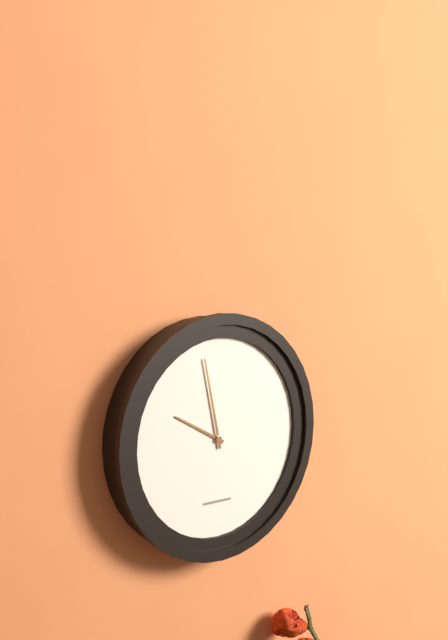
9:58
